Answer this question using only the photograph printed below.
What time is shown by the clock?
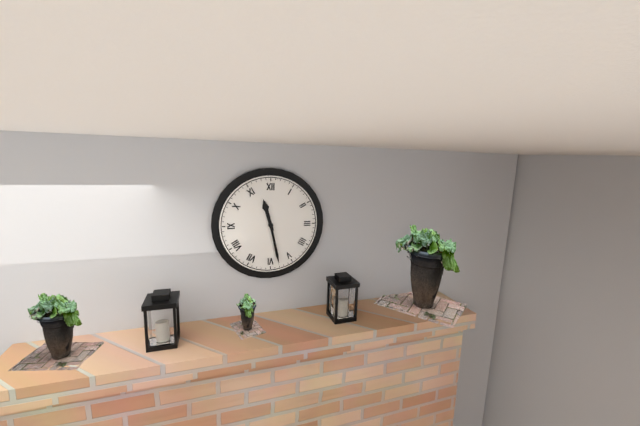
11:28
